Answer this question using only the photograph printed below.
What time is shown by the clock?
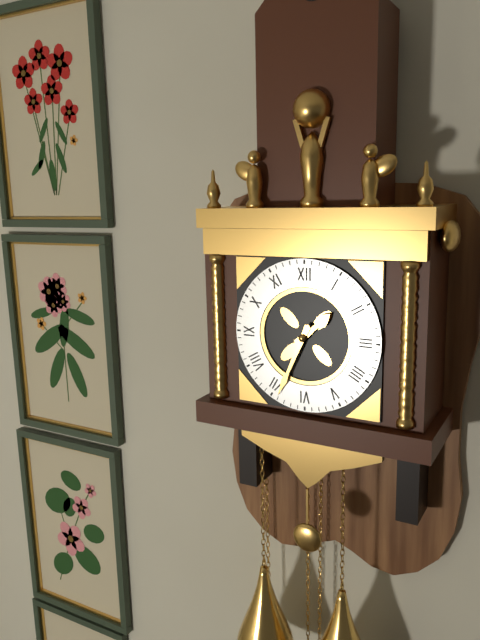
1:34
